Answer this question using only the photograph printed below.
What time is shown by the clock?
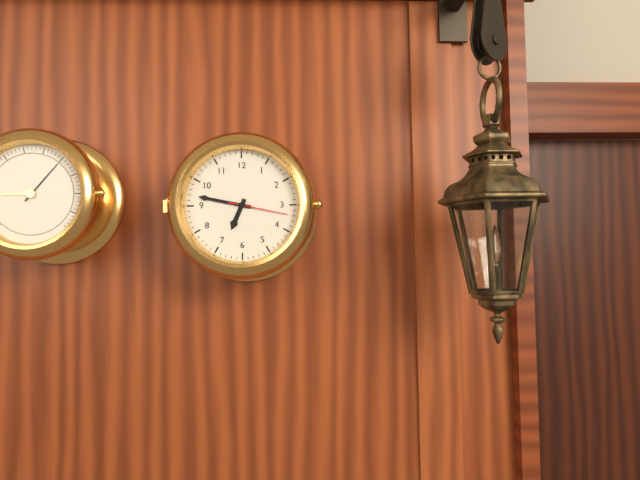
6:47:17
